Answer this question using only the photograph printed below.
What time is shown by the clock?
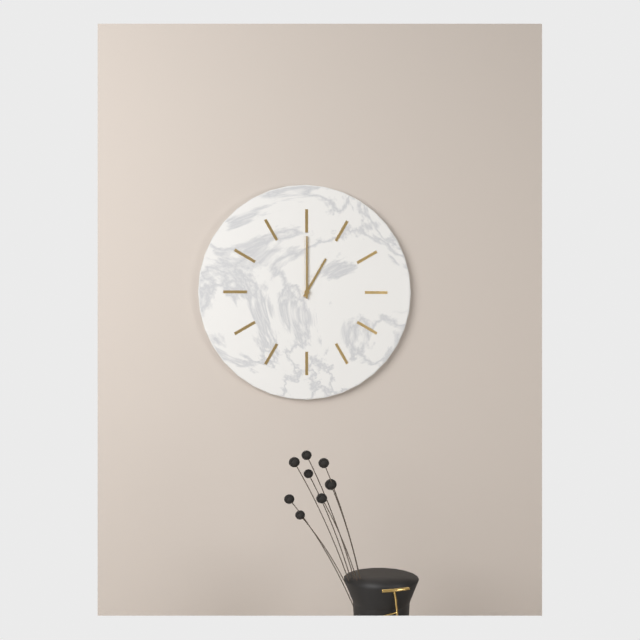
1:00
